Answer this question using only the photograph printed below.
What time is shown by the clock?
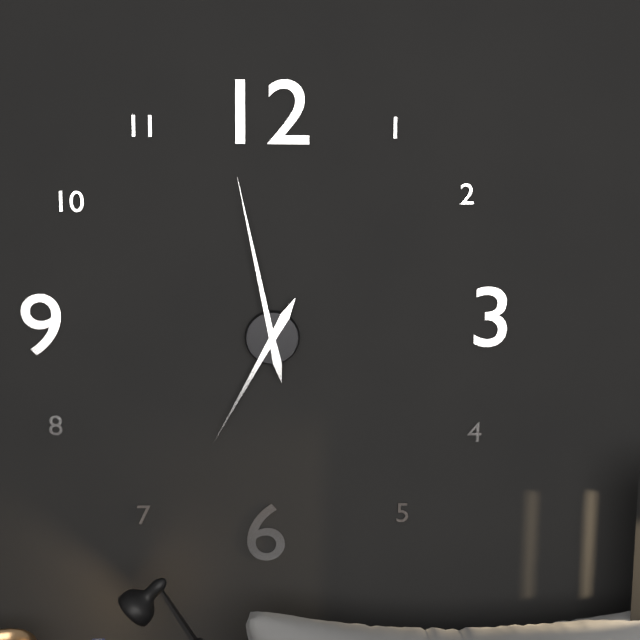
6:58
